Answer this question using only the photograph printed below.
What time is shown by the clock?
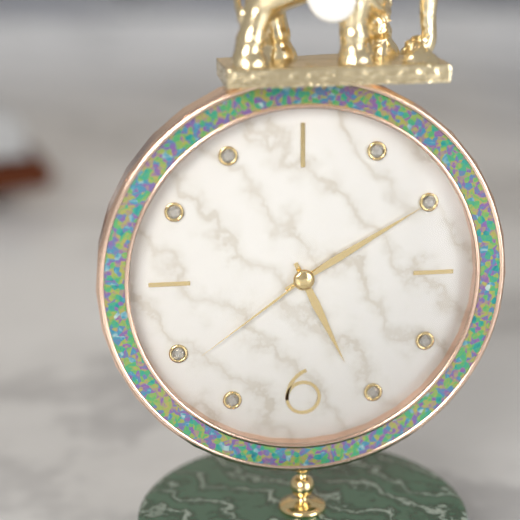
5:10:39
